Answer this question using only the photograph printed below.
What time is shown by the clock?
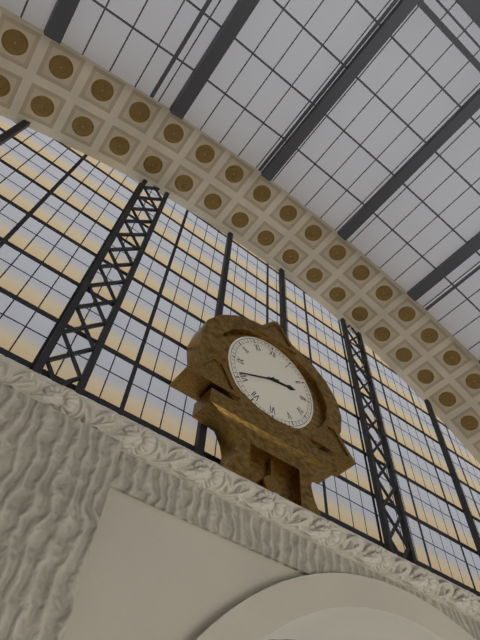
2:41
